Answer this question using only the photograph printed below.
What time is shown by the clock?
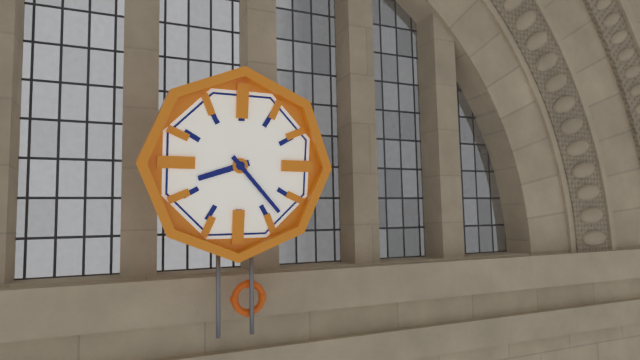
8:23
